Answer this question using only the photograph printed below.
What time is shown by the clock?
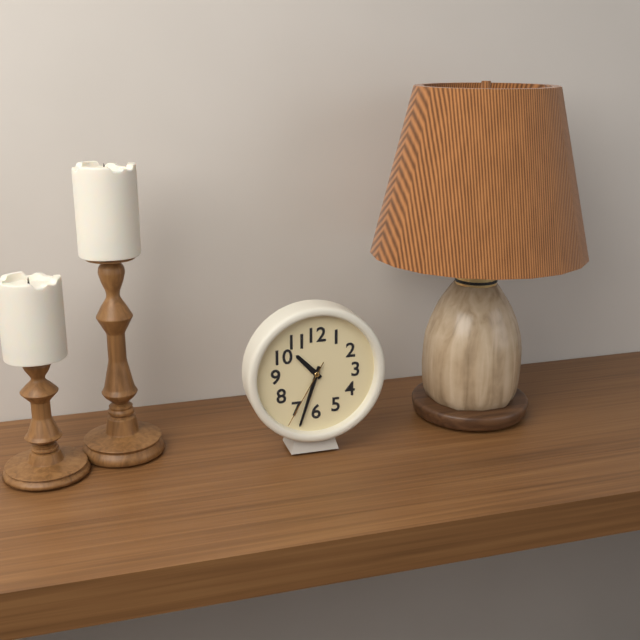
10:33:35
